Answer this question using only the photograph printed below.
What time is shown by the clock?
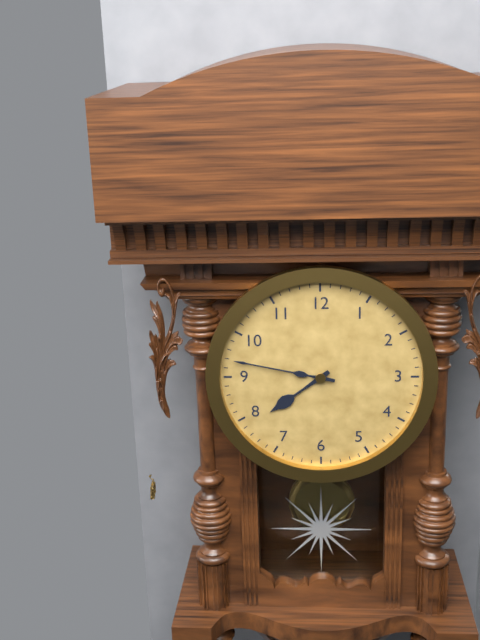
7:47
